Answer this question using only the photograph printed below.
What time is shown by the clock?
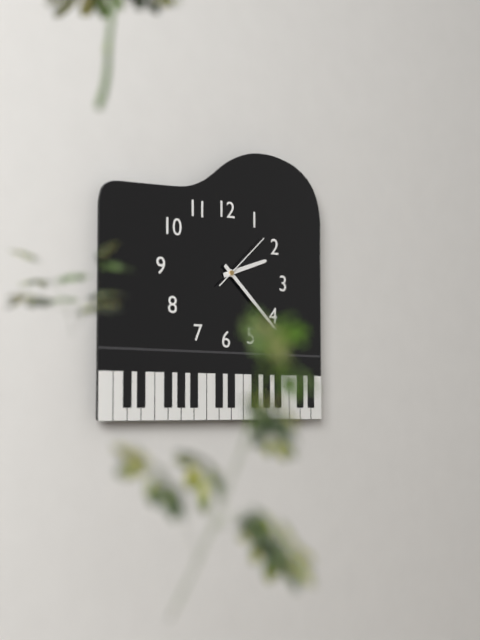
2:22:08
